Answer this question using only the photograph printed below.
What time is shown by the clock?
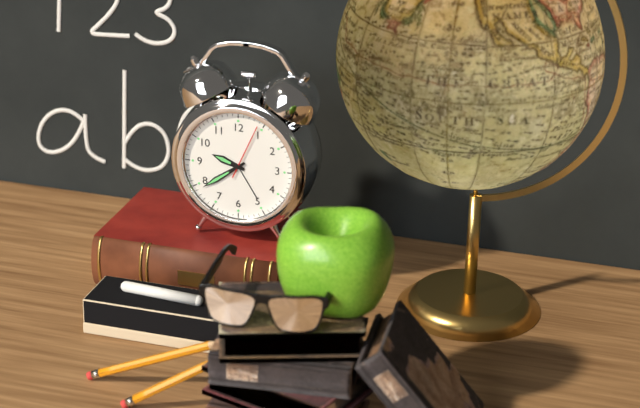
9:39:04
